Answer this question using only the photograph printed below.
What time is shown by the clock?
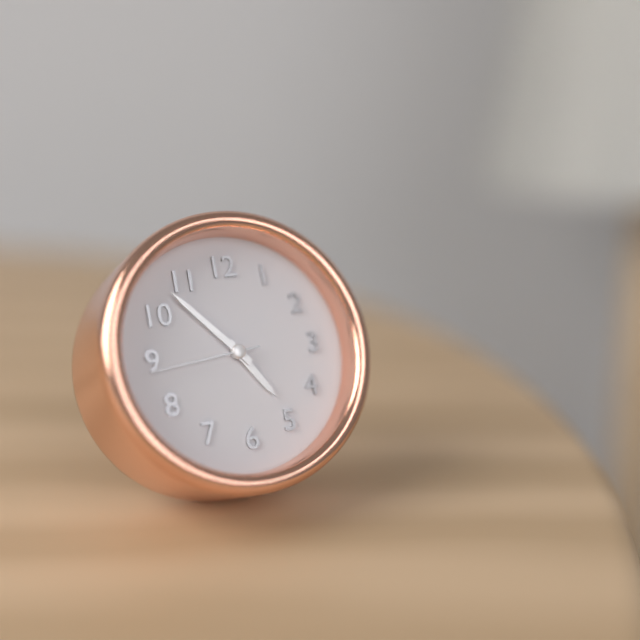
4:53:44
